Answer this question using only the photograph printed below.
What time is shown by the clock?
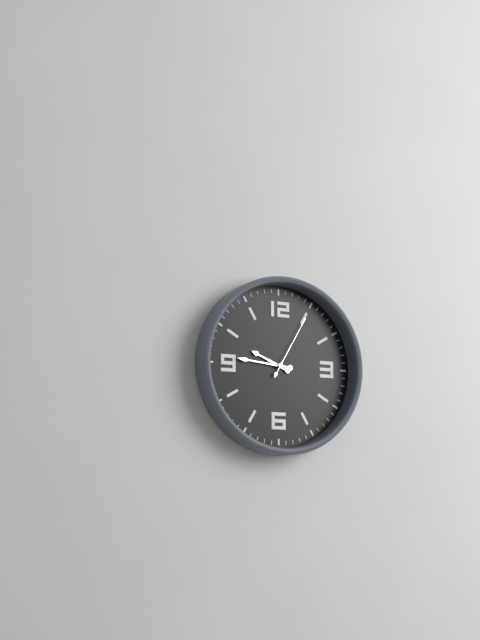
9:46:05
